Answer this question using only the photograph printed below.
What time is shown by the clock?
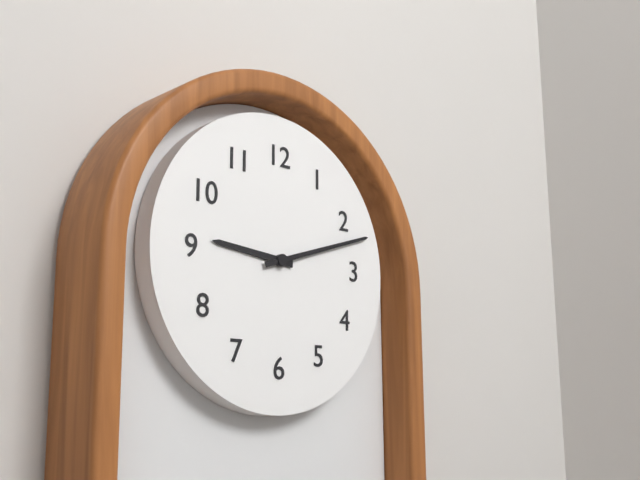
9:12
